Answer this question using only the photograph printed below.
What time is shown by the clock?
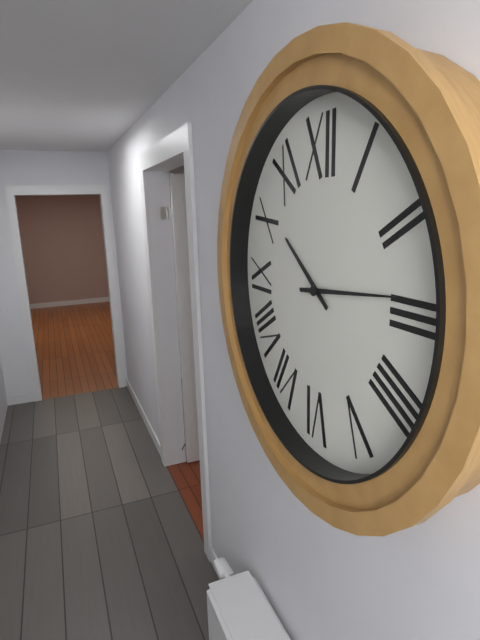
10:14
